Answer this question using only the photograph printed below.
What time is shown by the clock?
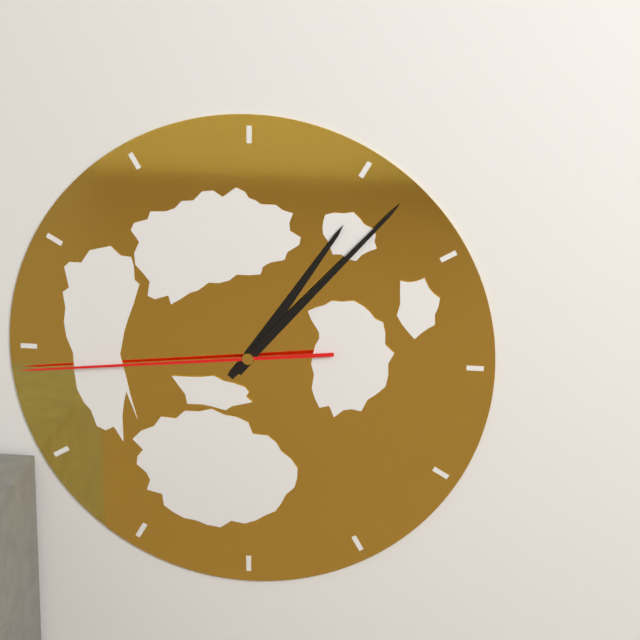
1:07:44
